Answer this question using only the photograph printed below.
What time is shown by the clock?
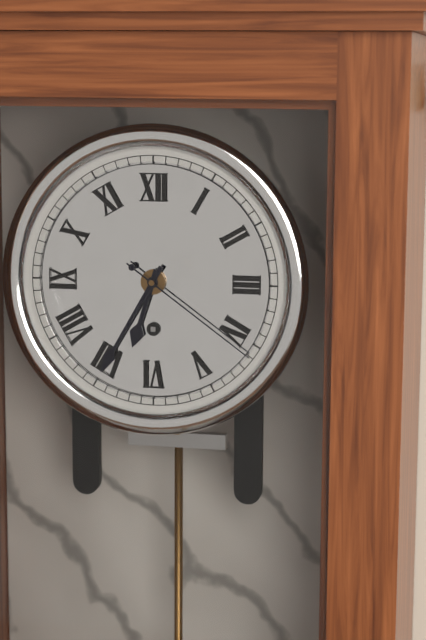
6:35:21
